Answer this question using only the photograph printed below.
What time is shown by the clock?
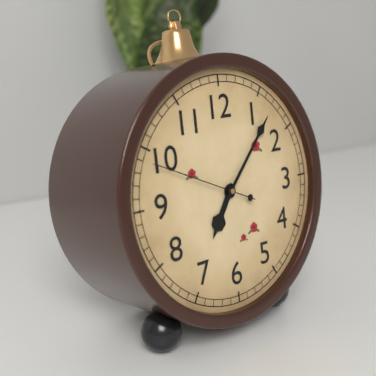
7:07:49
